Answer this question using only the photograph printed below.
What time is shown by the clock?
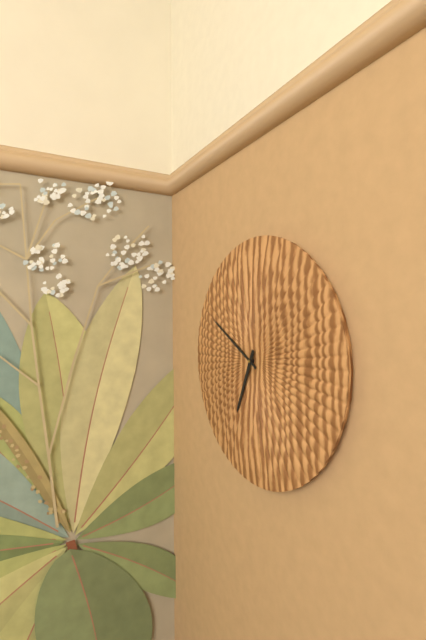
6:50
